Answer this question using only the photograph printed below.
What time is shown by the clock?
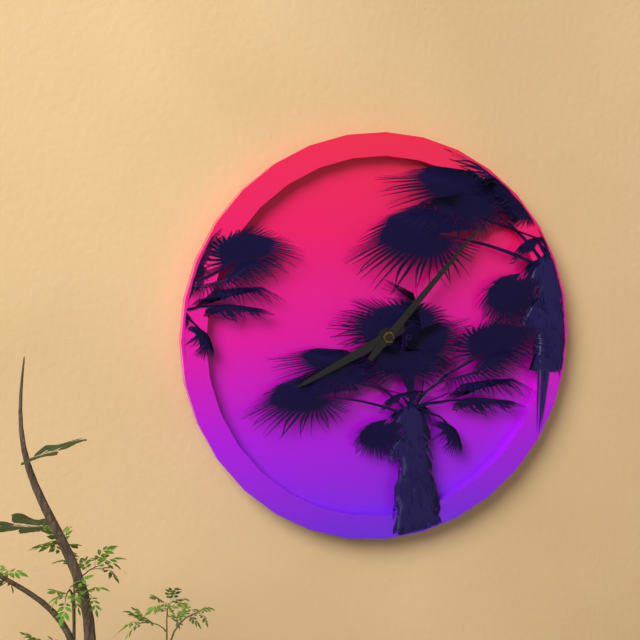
8:07
